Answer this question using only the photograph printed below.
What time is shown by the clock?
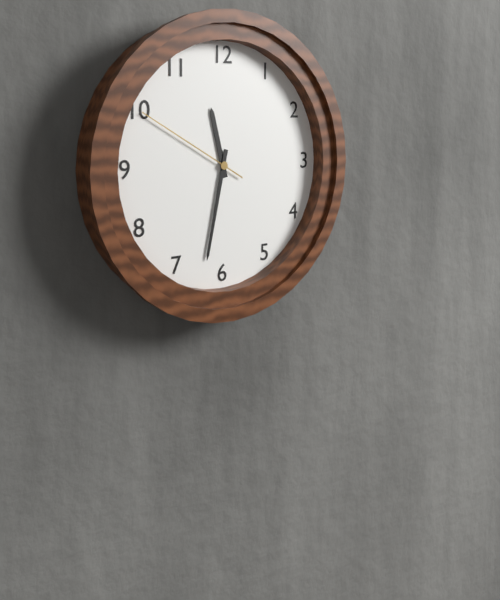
11:32:50
